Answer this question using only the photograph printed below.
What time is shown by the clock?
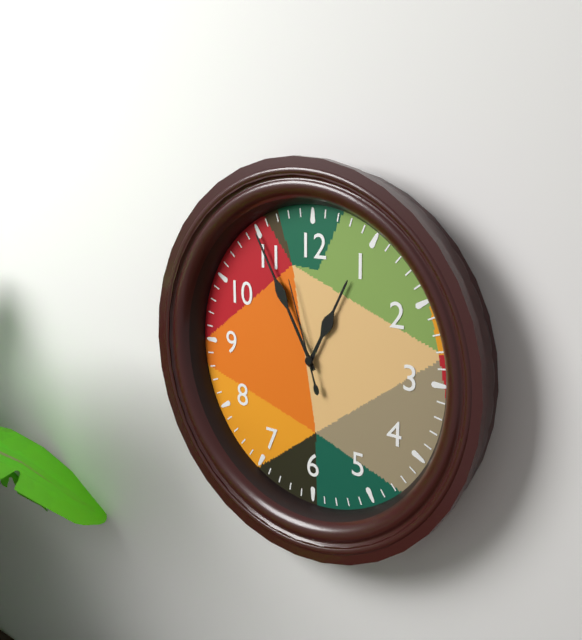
12:55:57
